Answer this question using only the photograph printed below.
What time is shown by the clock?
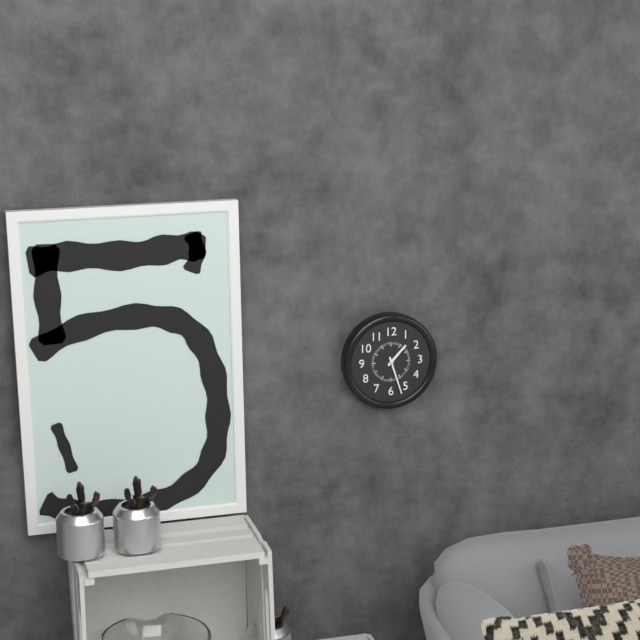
1:27
